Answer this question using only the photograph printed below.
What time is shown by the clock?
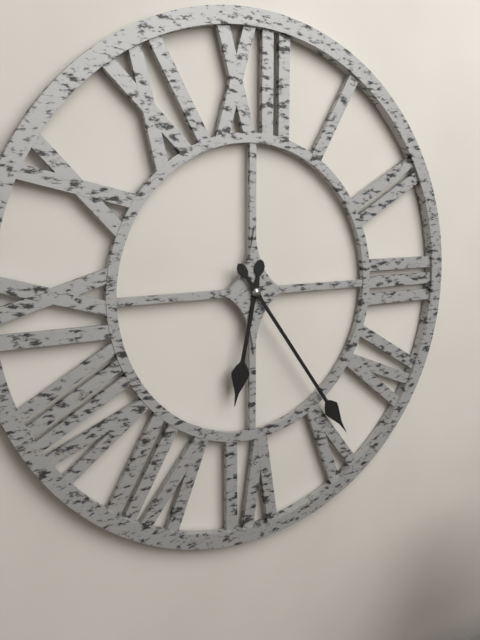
6:24
